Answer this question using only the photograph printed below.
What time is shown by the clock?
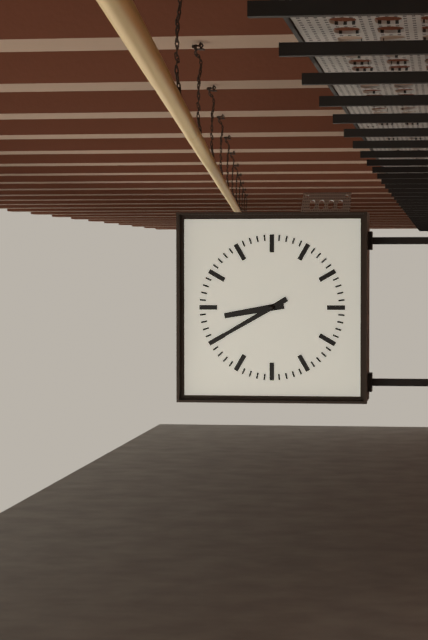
8:40
